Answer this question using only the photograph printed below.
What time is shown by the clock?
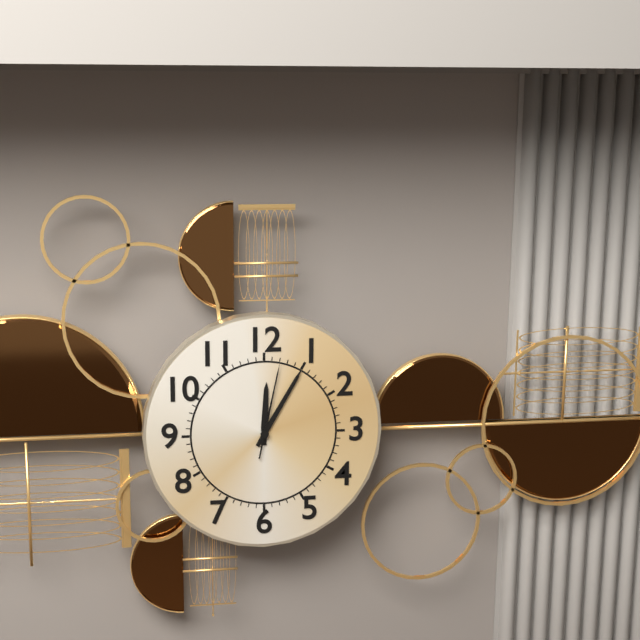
12:05:02
